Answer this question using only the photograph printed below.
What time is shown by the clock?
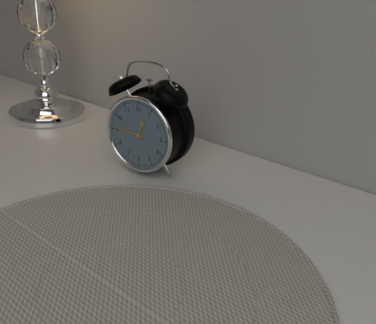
12:46
